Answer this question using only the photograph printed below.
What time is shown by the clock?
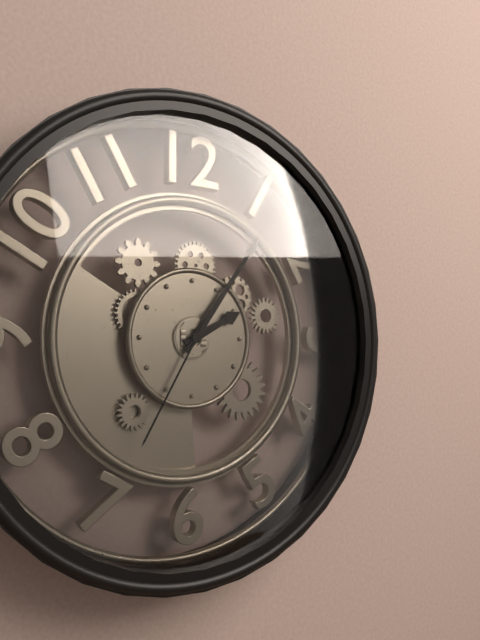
2:06:35
